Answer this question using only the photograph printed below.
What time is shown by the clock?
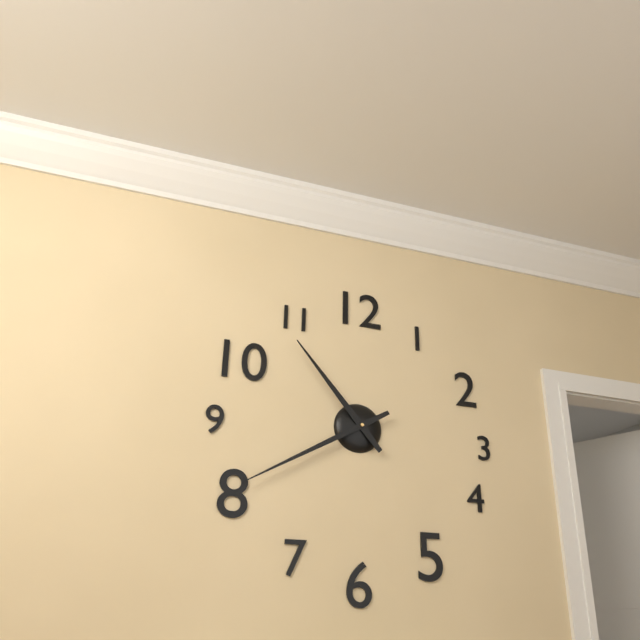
10:40
